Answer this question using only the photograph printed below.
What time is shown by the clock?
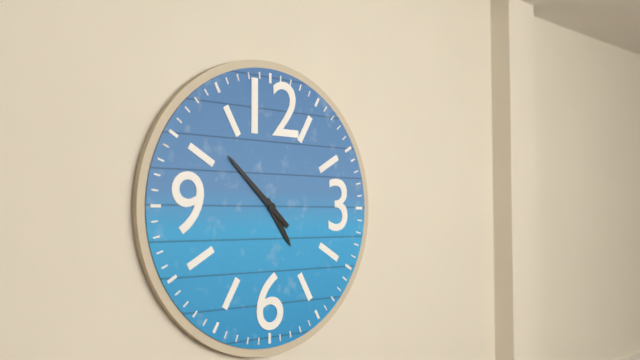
4:52
